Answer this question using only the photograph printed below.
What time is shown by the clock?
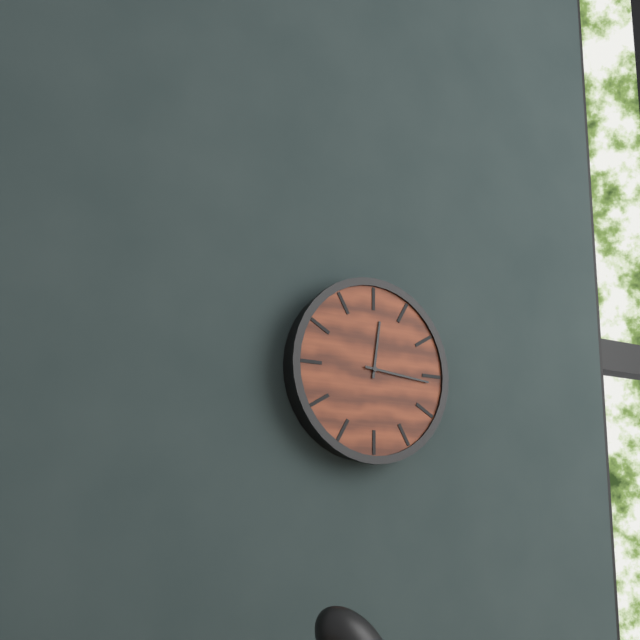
12:16
